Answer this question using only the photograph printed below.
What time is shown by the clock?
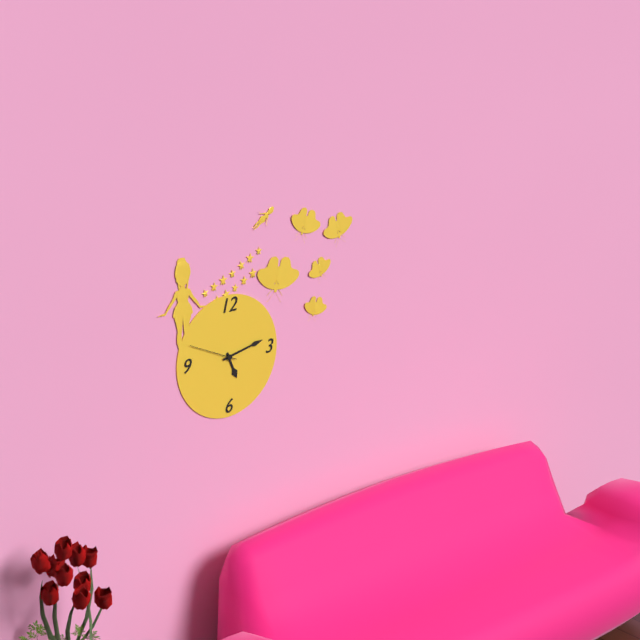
5:13:49
